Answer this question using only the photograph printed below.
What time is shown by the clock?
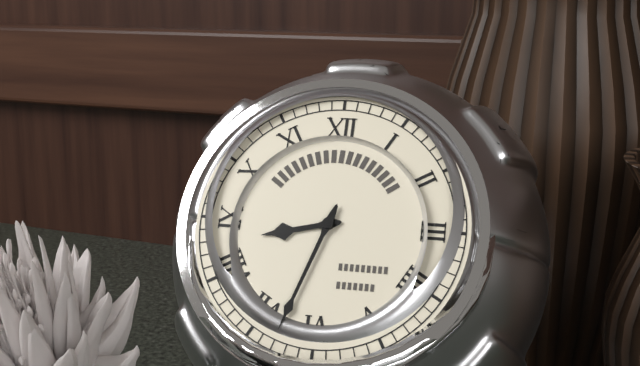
8:33
